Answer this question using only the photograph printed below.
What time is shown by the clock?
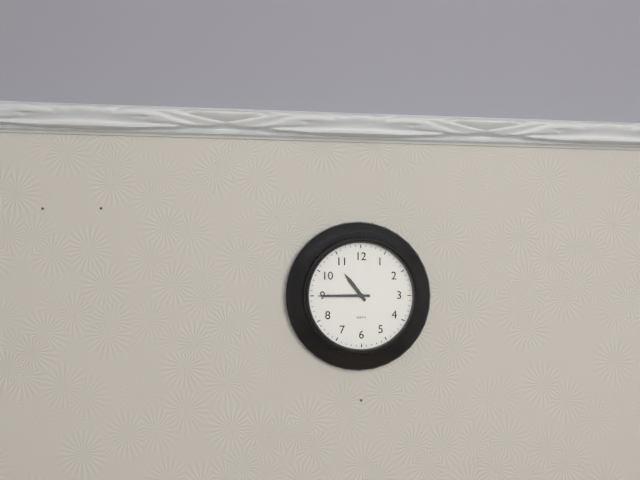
10:45
